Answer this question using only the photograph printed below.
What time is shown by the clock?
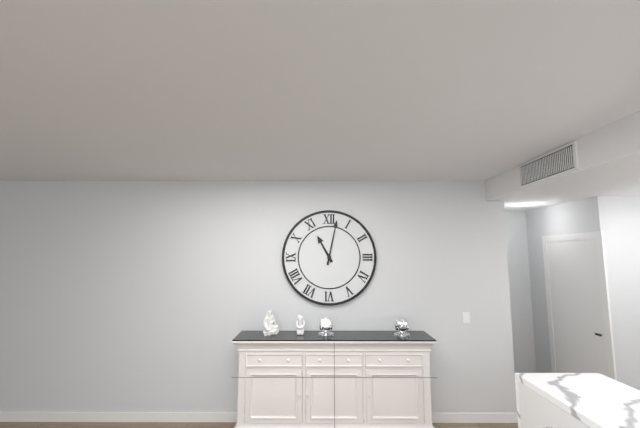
11:02
